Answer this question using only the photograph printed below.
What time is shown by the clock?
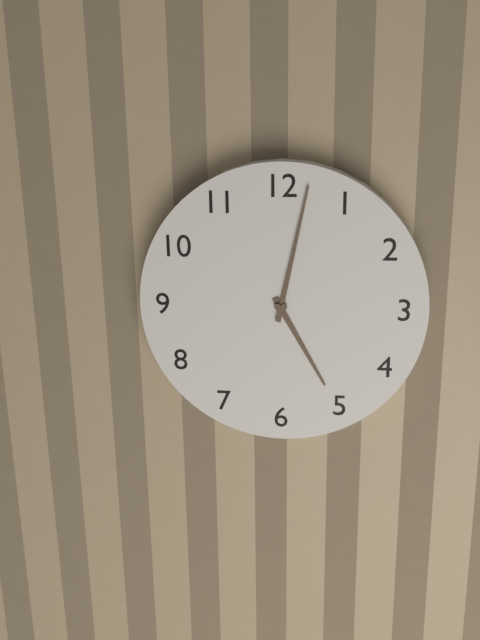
5:02
